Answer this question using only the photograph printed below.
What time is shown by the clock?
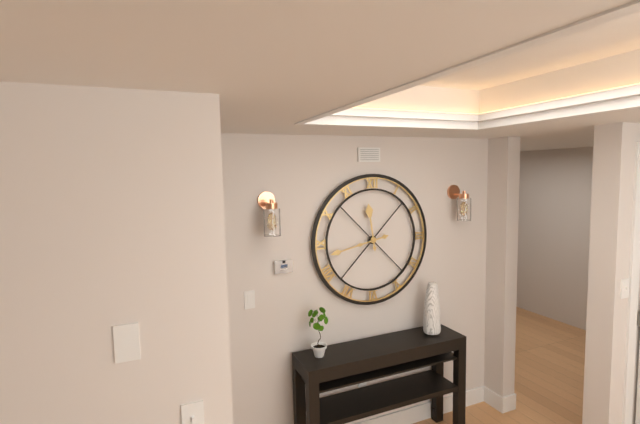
11:43
